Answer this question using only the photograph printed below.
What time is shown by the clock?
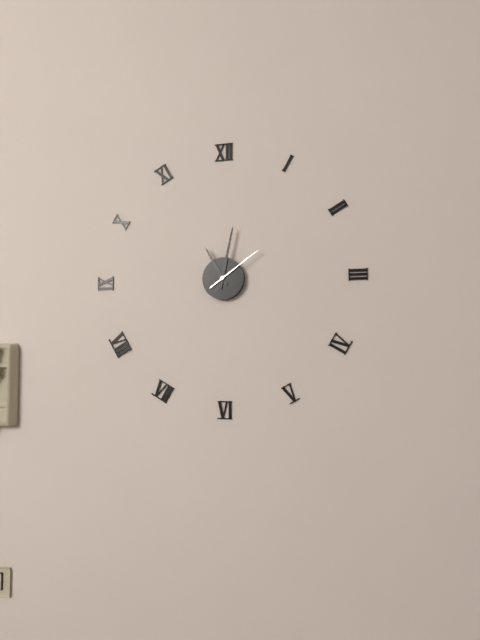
11:02:09
